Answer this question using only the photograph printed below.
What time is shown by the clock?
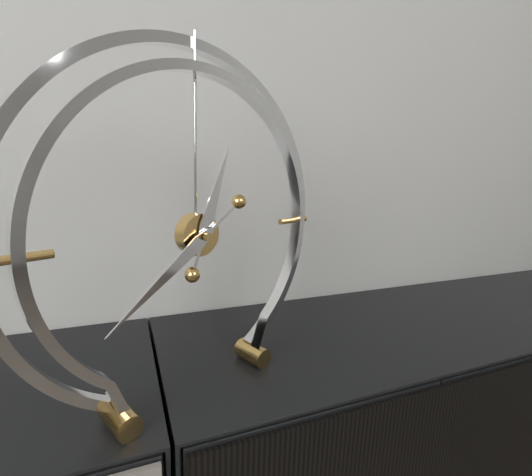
12:39
